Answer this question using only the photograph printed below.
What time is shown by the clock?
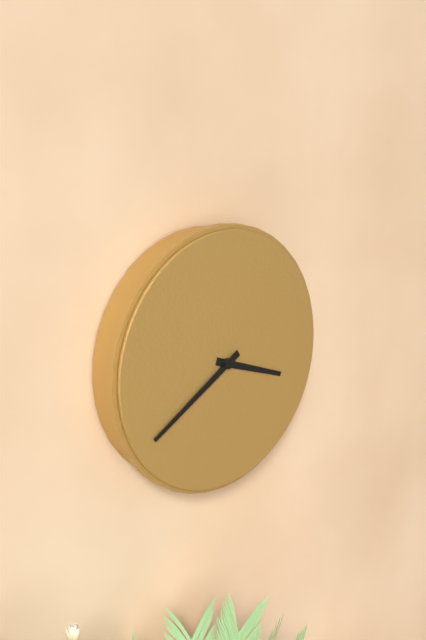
3:40
